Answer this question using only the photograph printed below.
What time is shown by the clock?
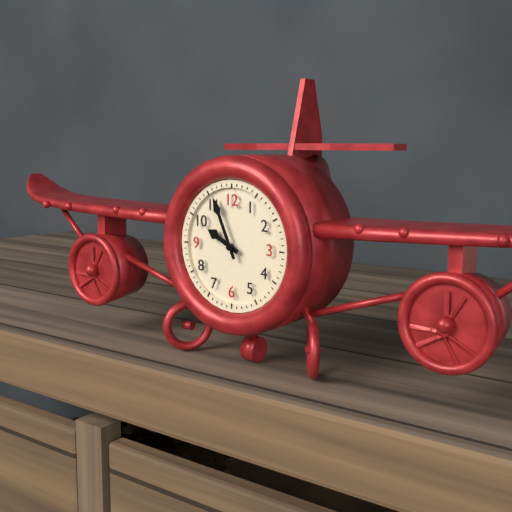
9:56
